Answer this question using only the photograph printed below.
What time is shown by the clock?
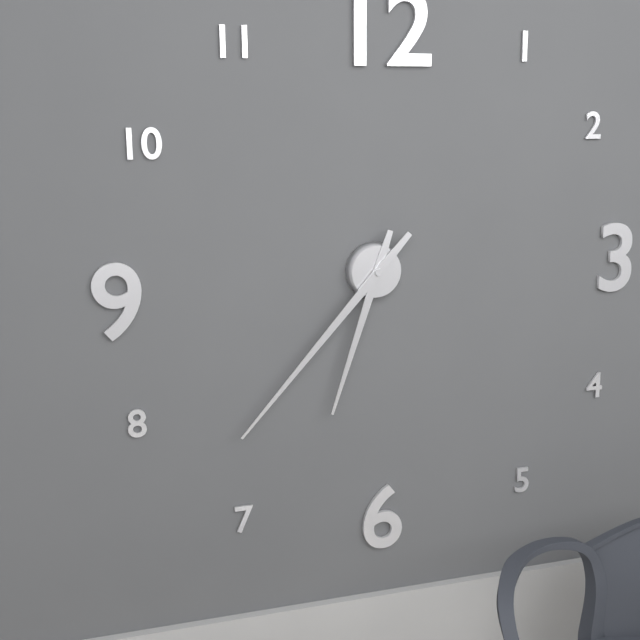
6:37
